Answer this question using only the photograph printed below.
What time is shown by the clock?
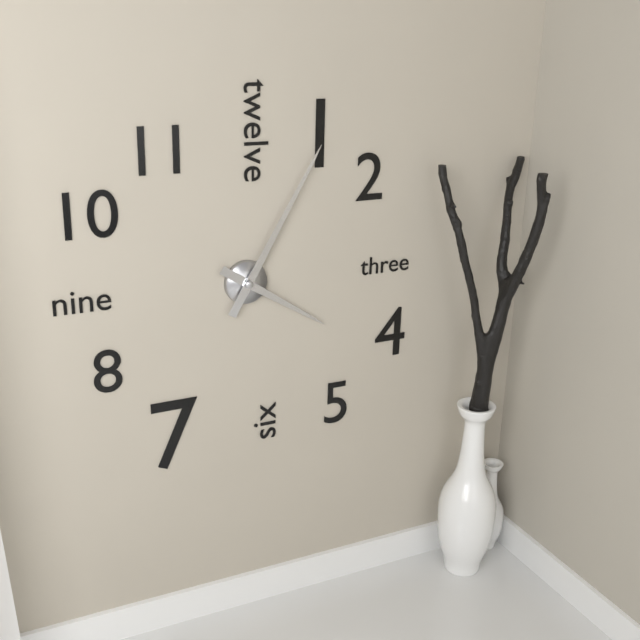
4:05
